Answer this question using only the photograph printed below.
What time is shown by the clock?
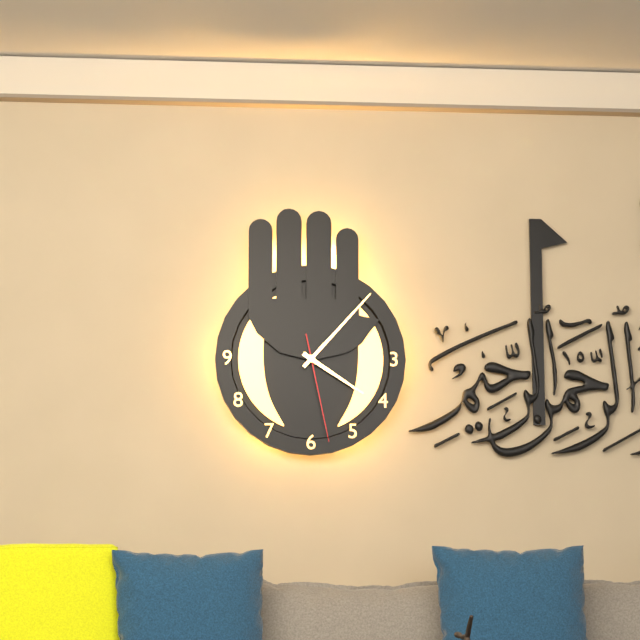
4:07:28
